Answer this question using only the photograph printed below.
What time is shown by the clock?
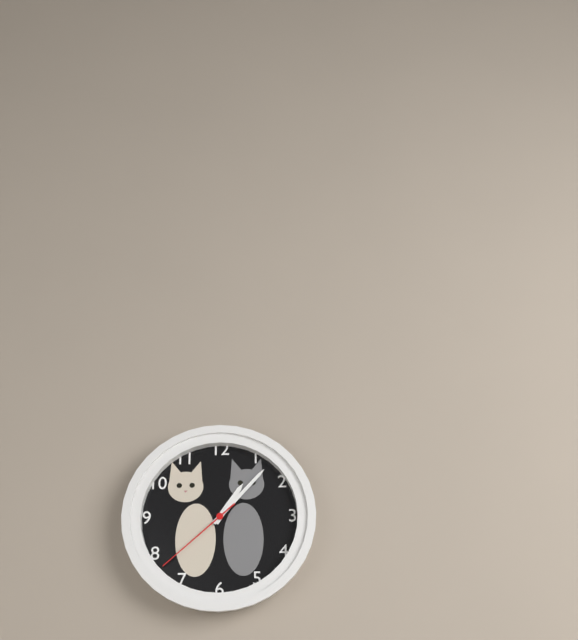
1:07:38
